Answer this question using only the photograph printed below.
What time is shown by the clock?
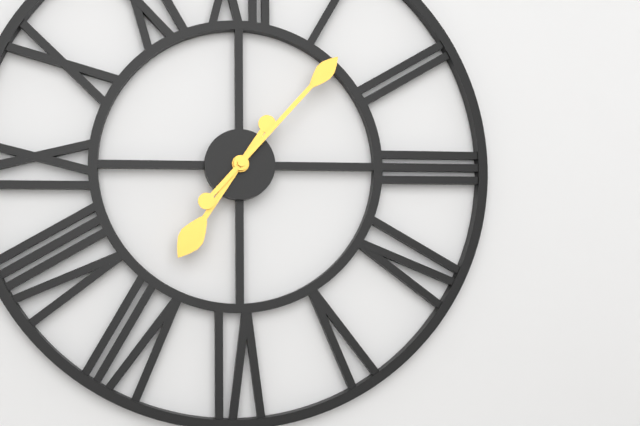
7:07
